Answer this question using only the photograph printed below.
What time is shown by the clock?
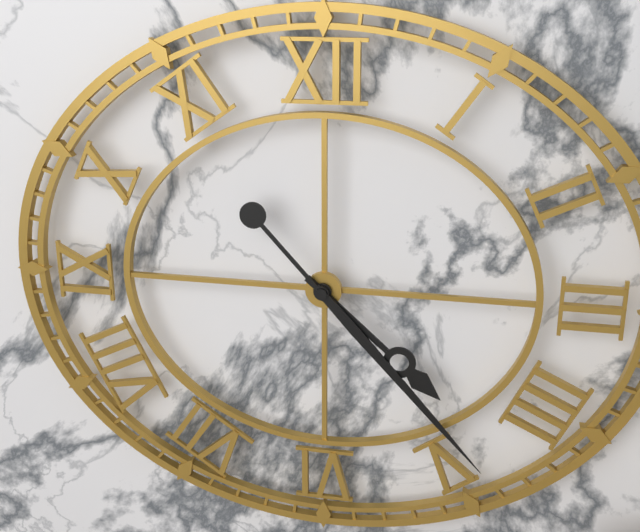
4:23
